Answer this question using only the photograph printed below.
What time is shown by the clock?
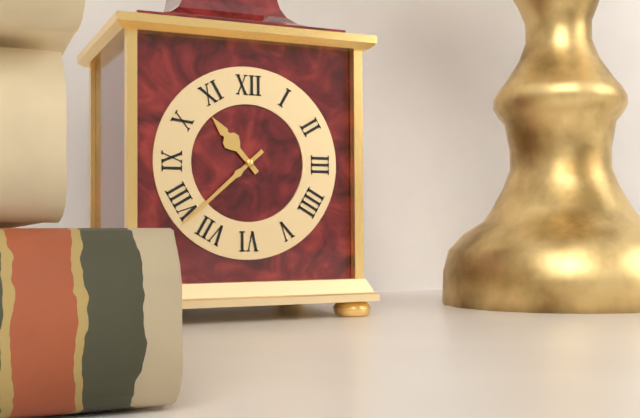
10:38
